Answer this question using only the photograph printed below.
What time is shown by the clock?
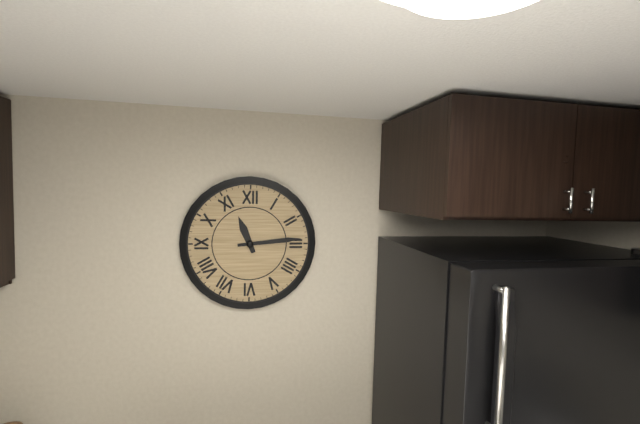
11:14
